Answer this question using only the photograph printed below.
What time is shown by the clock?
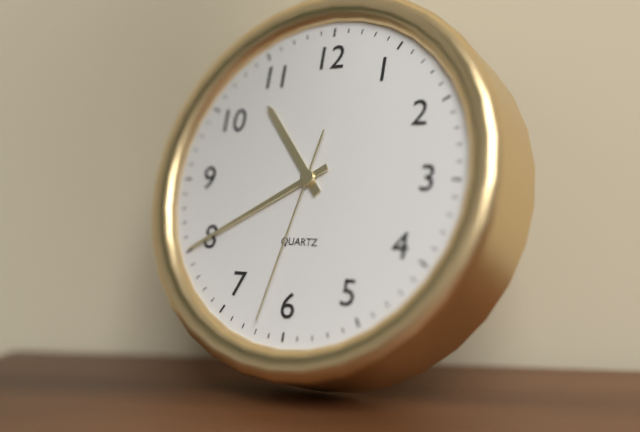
10:40:32
